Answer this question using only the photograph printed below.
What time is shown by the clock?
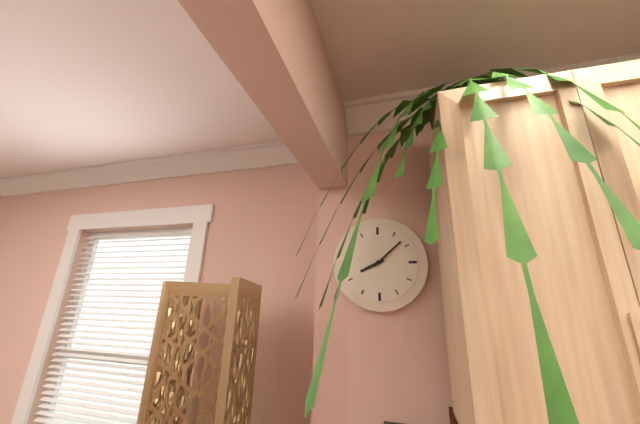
8:08
